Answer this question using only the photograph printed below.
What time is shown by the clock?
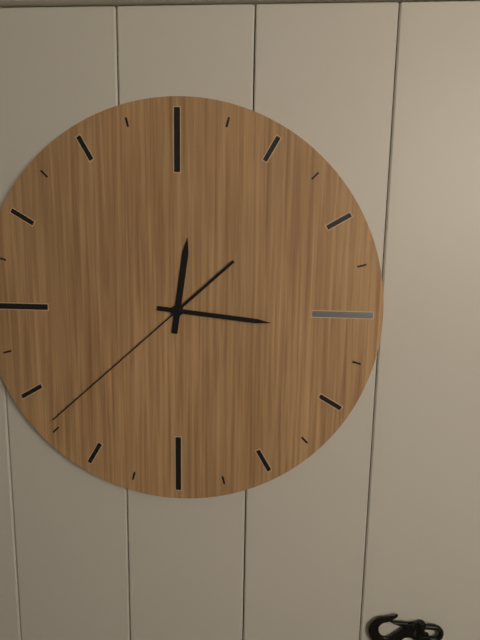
12:16:38
